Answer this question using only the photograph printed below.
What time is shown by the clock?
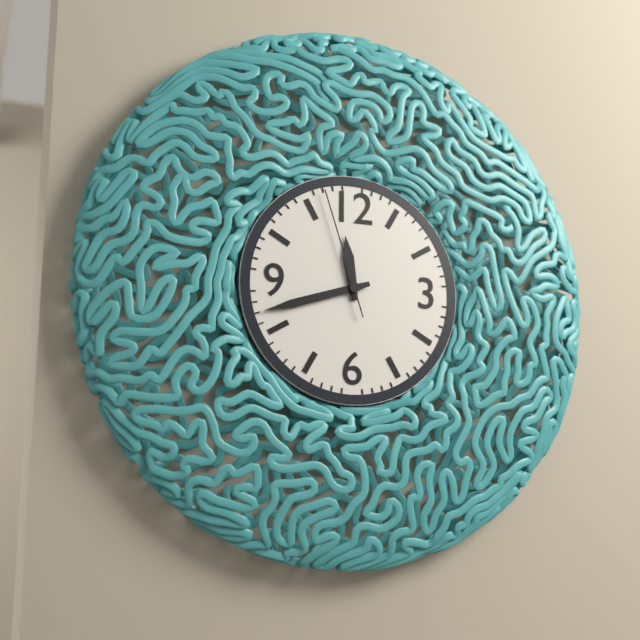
11:42:57
